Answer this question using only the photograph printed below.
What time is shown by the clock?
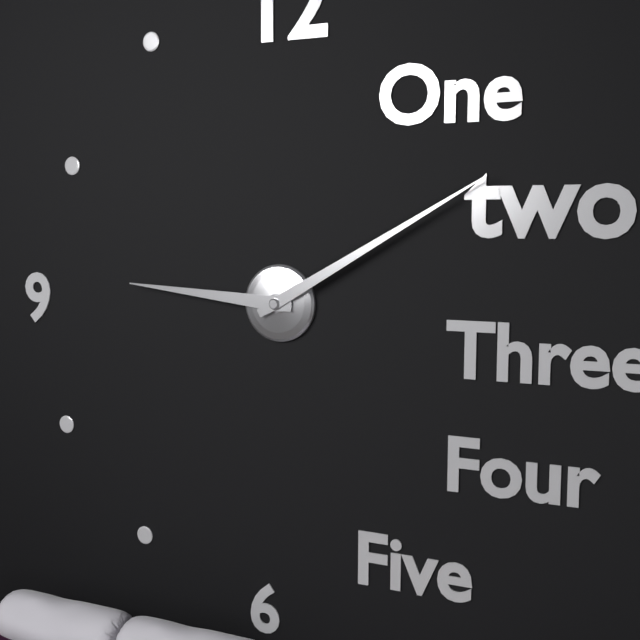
9:10
